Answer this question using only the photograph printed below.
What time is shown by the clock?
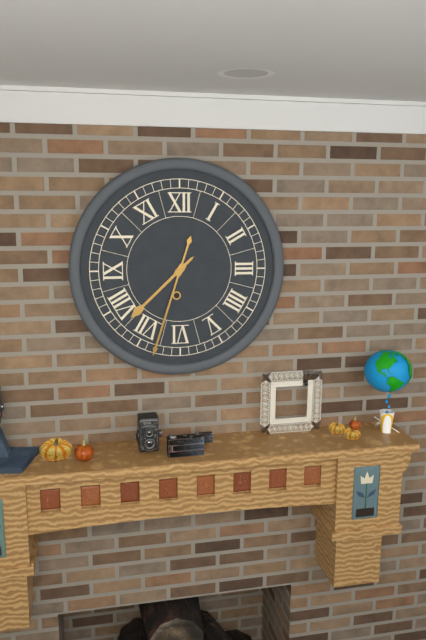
7:33
